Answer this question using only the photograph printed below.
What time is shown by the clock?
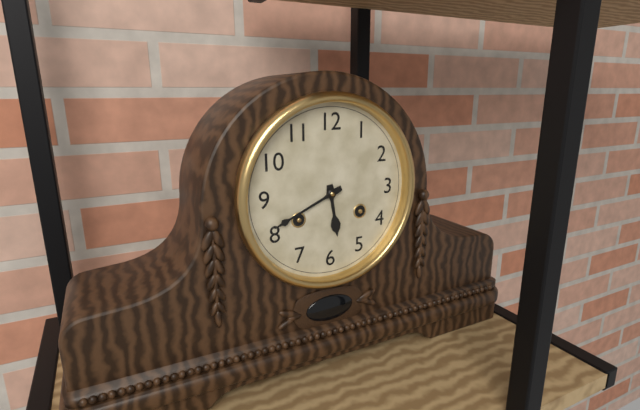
5:41
